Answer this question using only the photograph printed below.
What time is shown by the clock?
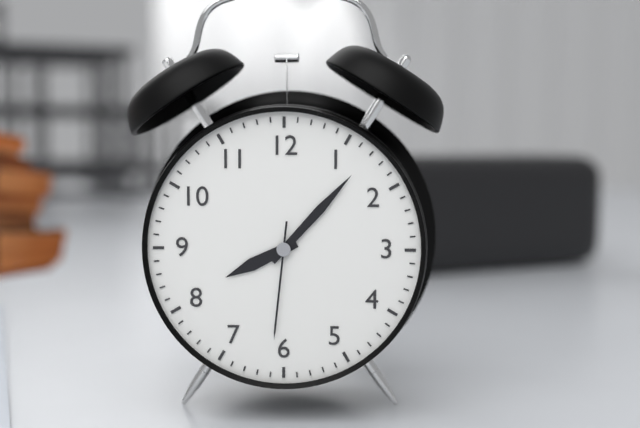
8:07:31
